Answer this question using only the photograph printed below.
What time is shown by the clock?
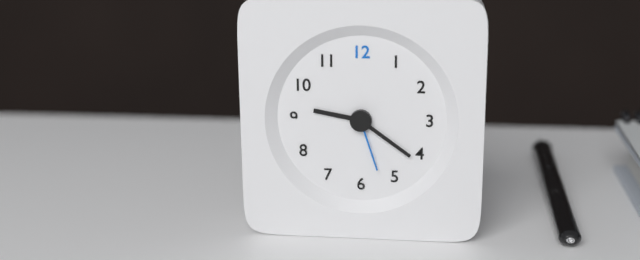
9:21:27
